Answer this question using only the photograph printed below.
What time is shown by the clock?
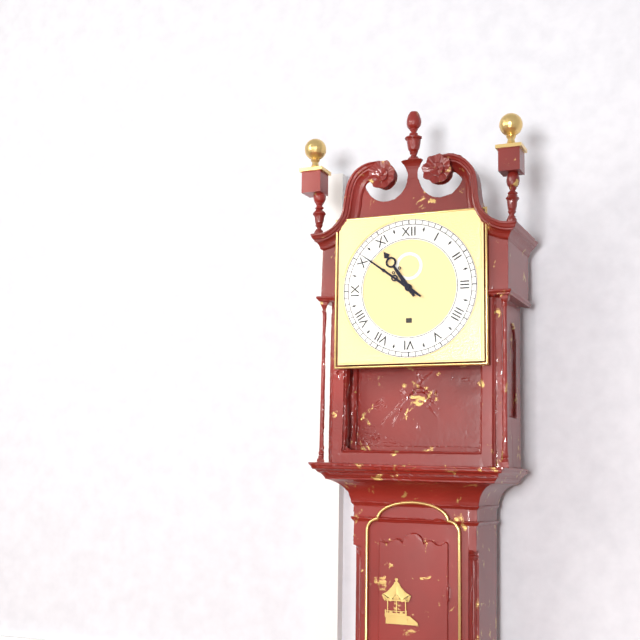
10:51
